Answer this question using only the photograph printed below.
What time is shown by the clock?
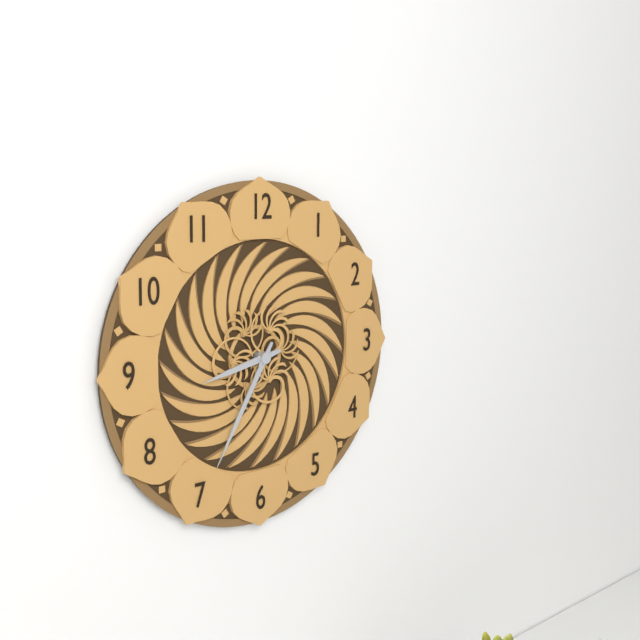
8:35
